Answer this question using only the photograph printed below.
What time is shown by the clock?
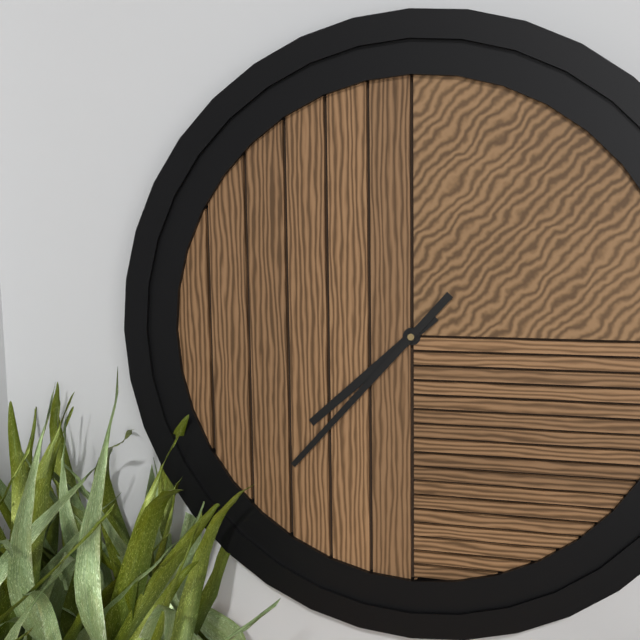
7:37
